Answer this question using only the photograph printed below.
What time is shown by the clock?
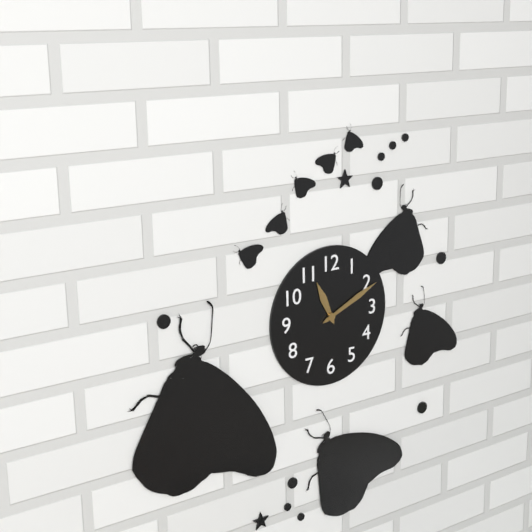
11:11
